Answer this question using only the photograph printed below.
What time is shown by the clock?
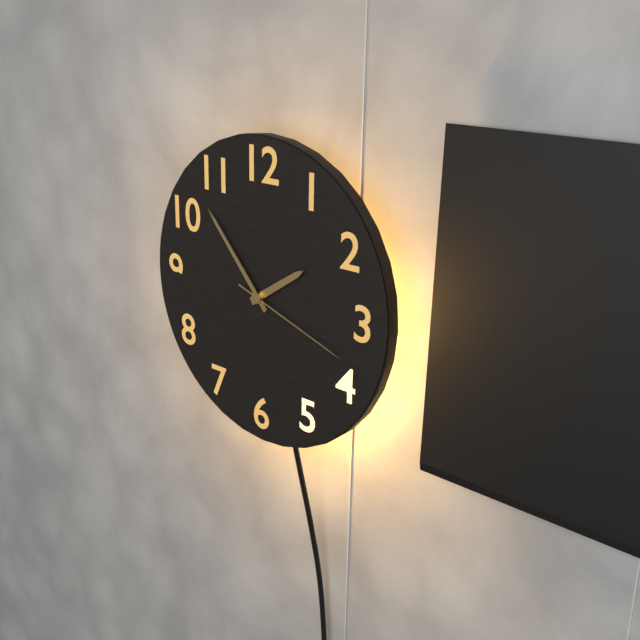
1:53:18
